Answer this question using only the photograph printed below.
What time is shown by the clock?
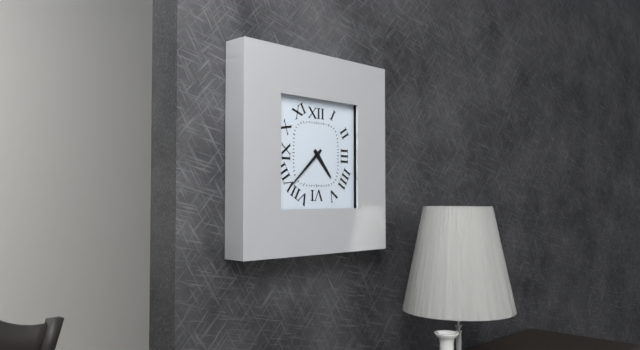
4:38
